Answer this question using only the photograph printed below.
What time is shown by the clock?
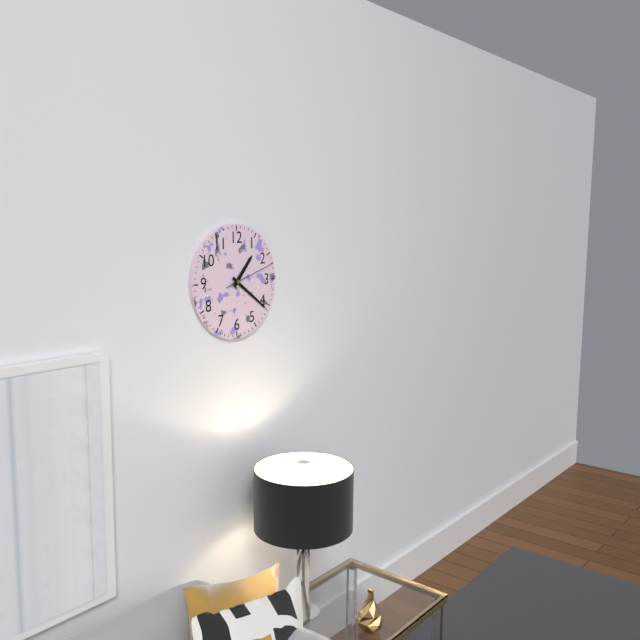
1:21
